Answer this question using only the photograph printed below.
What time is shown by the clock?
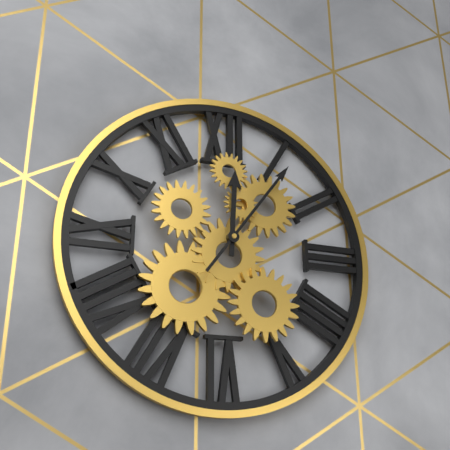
12:06
